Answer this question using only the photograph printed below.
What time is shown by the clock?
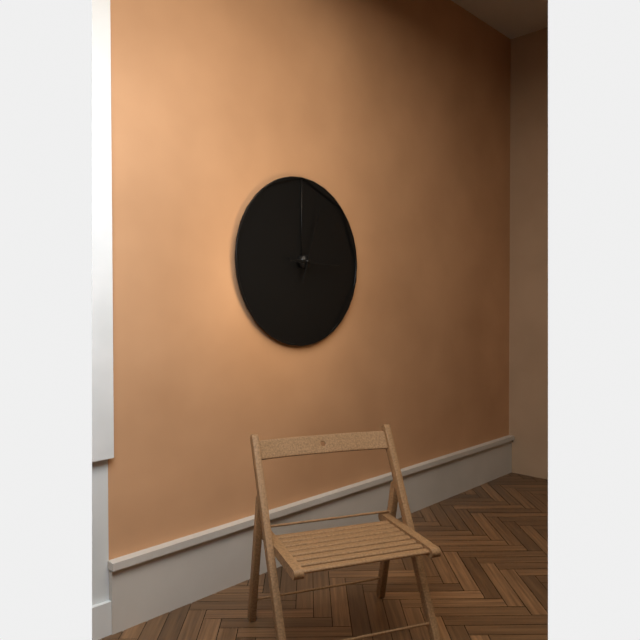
3:03
